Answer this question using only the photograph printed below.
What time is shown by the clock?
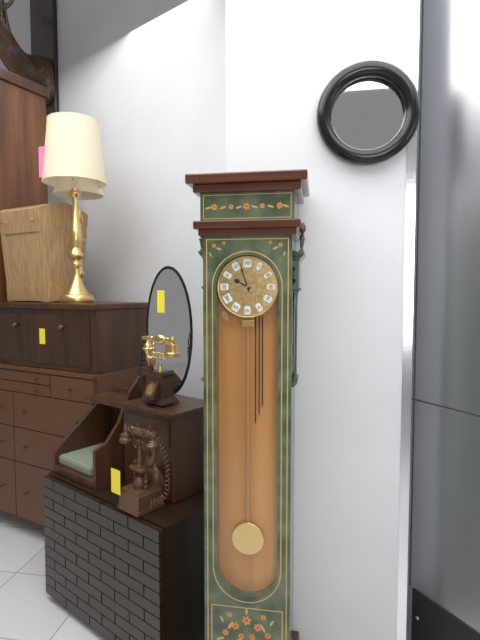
9:57
